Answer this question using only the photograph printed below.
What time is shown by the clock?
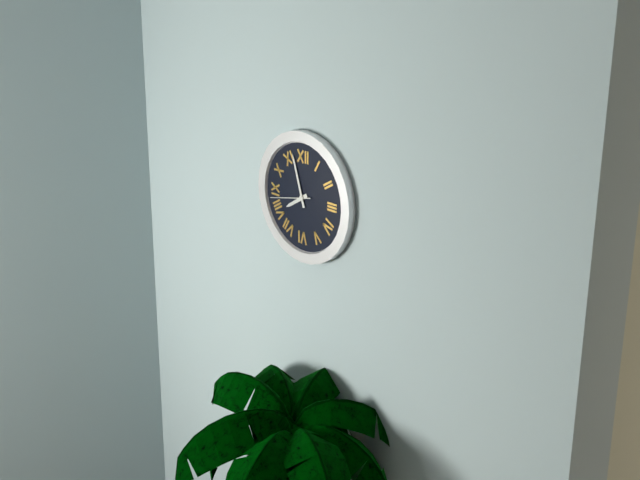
7:57
